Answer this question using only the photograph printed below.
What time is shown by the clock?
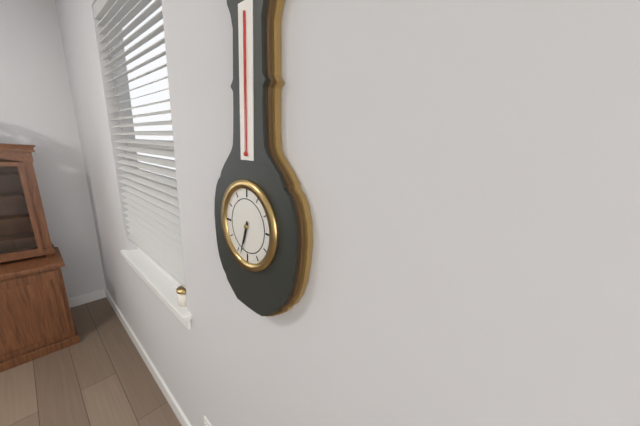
6:33
